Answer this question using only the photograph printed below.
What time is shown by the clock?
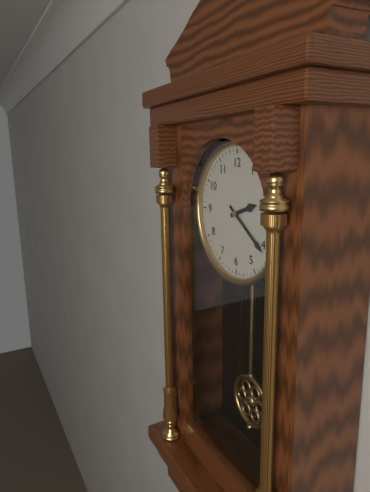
2:21
